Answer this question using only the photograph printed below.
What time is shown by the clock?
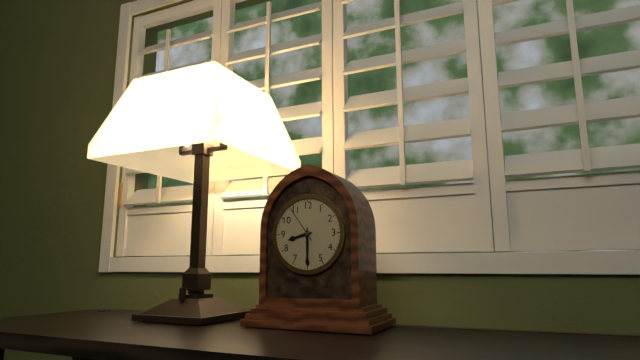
8:30
